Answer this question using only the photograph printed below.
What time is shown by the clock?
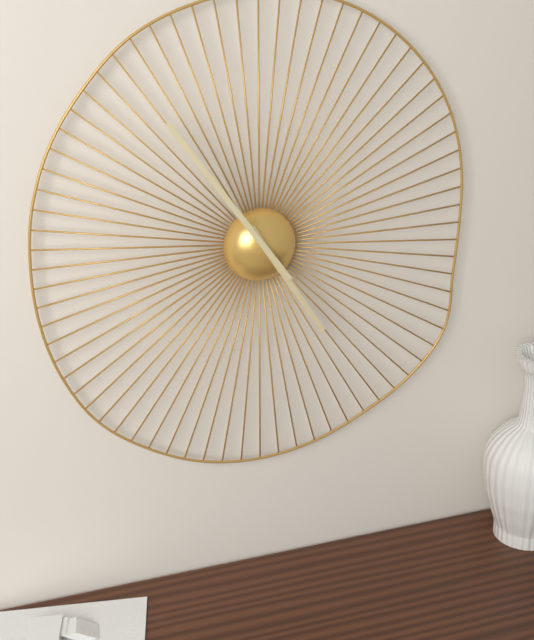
4:54
